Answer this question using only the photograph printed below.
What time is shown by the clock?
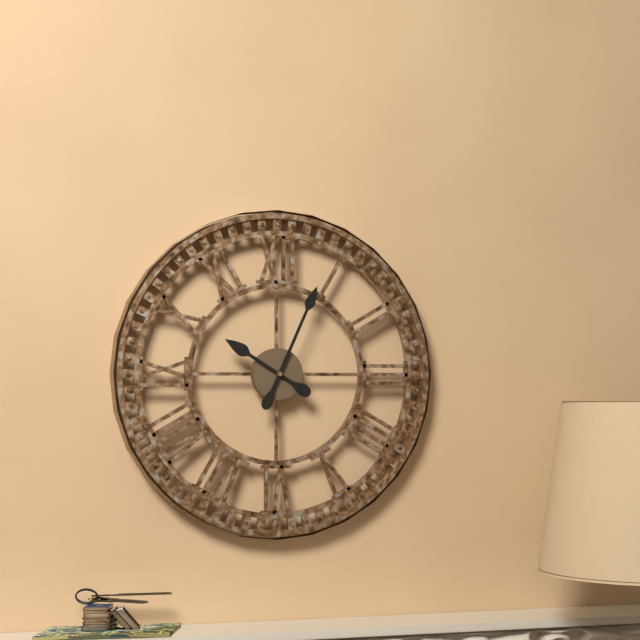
10:04
